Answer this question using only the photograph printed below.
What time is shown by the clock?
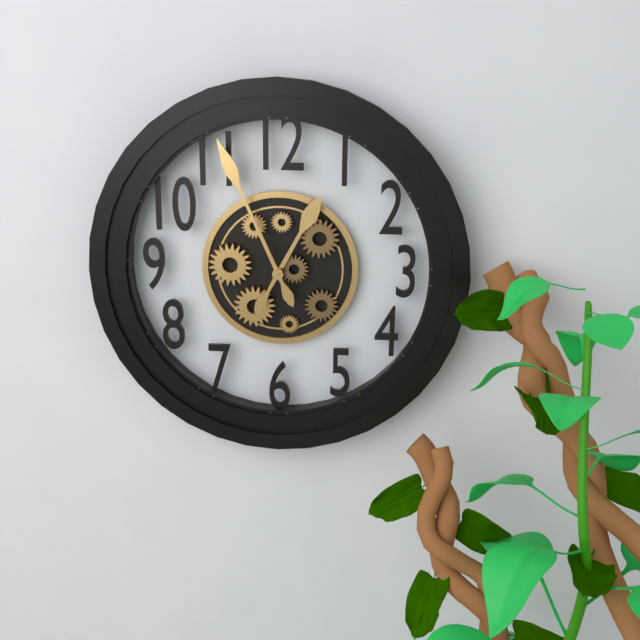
12:56
